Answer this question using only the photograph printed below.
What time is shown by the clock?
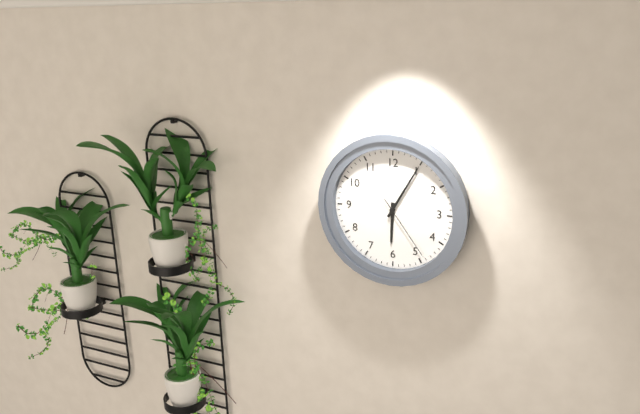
6:05:24
